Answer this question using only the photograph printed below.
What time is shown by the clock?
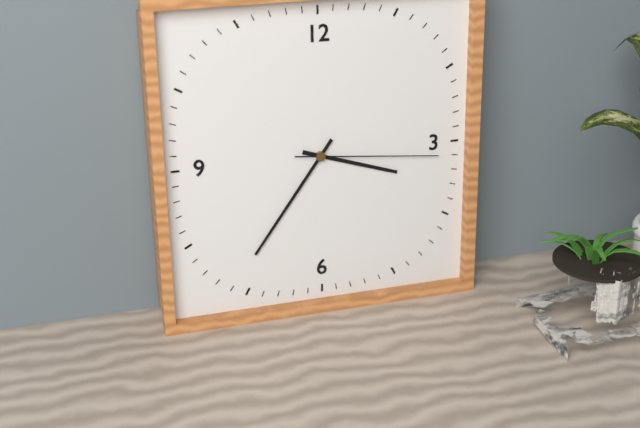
3:36:16
